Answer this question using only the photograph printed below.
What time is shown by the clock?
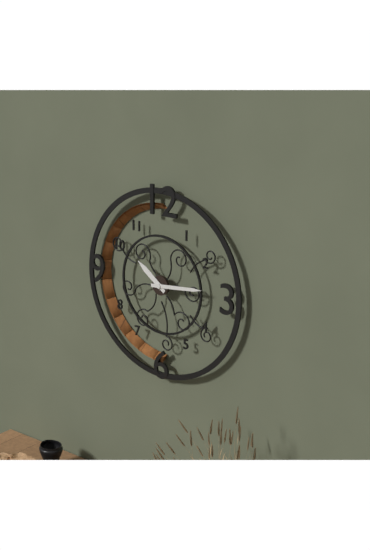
10:14
